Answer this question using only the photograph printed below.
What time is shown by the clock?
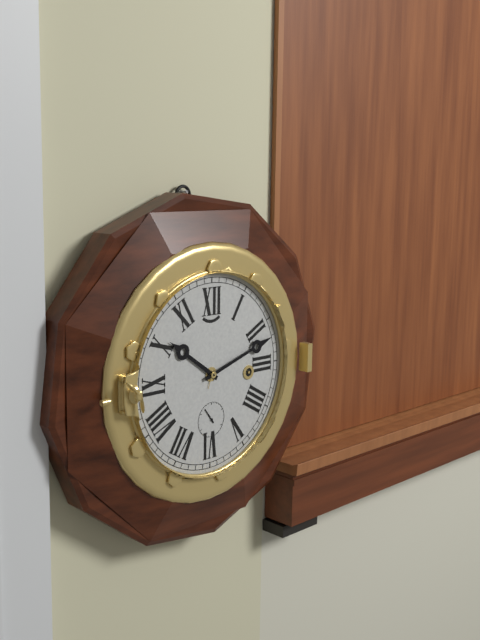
10:12
